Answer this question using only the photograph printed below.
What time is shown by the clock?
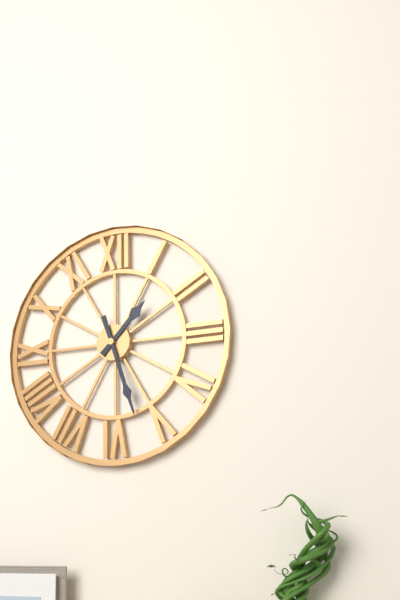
1:27
